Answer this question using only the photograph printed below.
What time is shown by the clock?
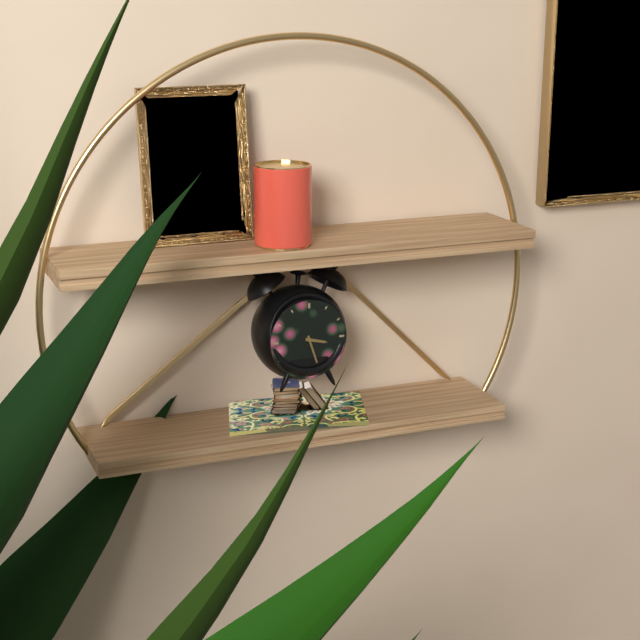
3:27
